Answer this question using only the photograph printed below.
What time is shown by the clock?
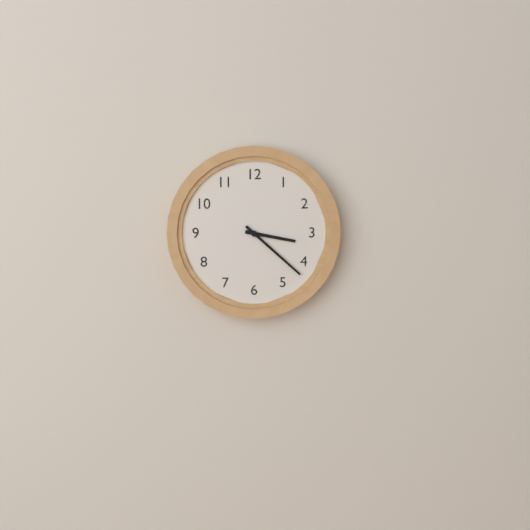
3:22
